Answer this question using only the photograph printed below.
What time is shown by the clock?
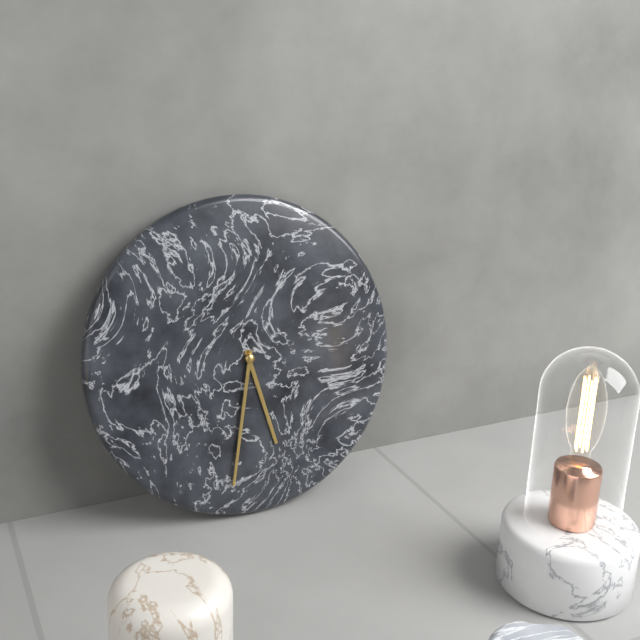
5:32
